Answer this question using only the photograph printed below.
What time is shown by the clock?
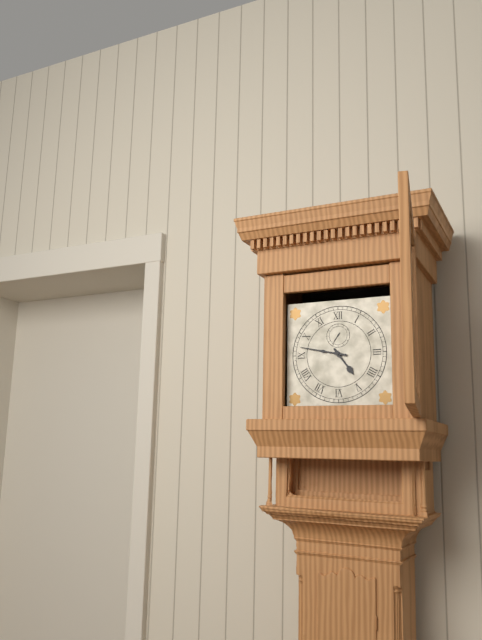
4:47
